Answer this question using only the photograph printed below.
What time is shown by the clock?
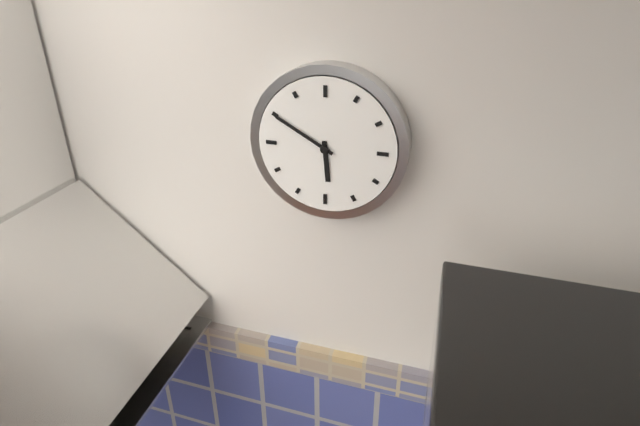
5:50
